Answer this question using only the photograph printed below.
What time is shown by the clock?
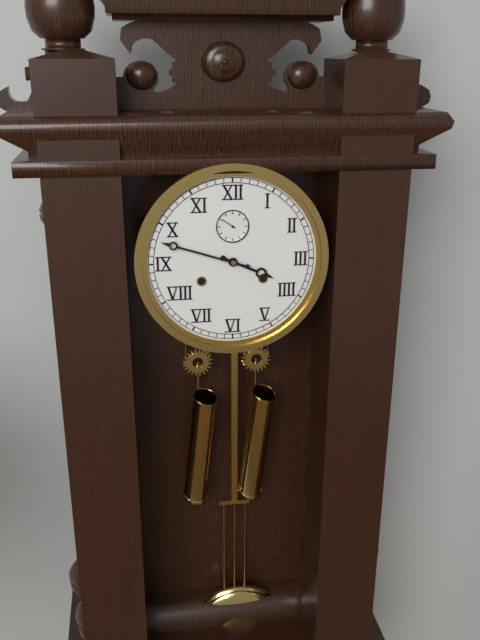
3:48
